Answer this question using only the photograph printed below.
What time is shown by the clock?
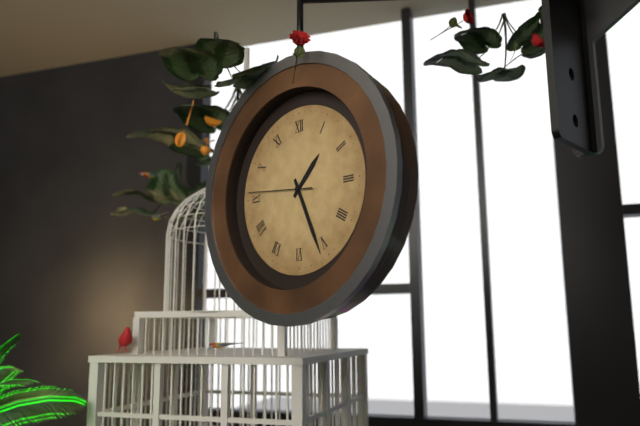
1:26:46
